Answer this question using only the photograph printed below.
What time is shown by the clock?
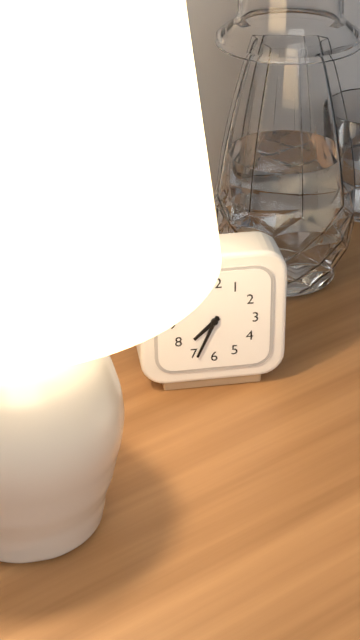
7:34
